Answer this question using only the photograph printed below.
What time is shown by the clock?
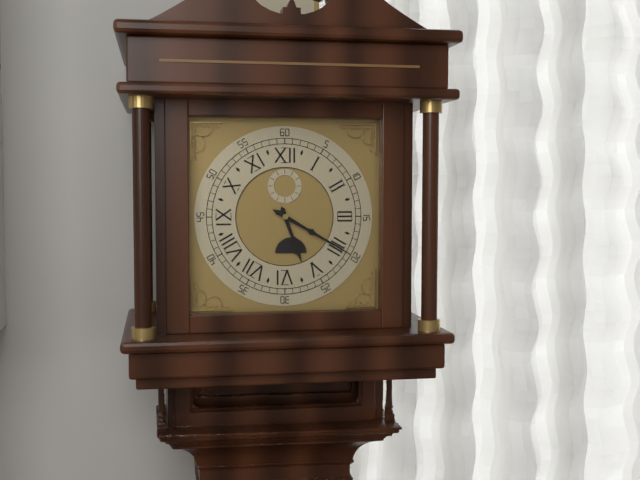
5:20
